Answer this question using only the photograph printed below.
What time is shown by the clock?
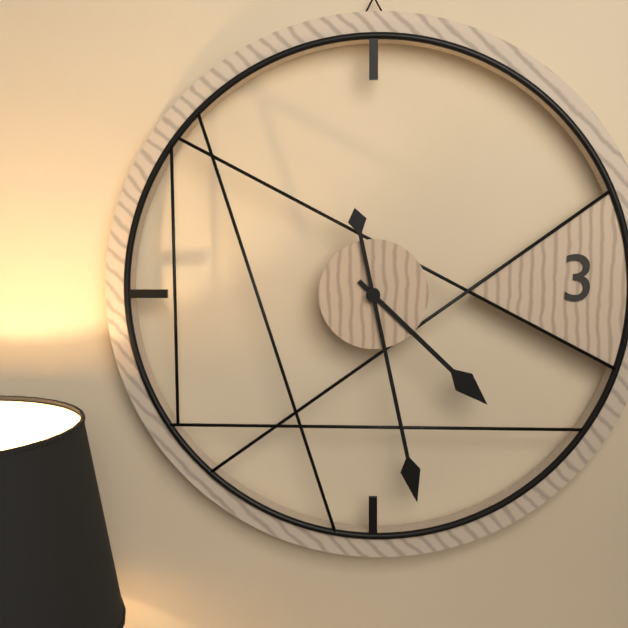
4:28
